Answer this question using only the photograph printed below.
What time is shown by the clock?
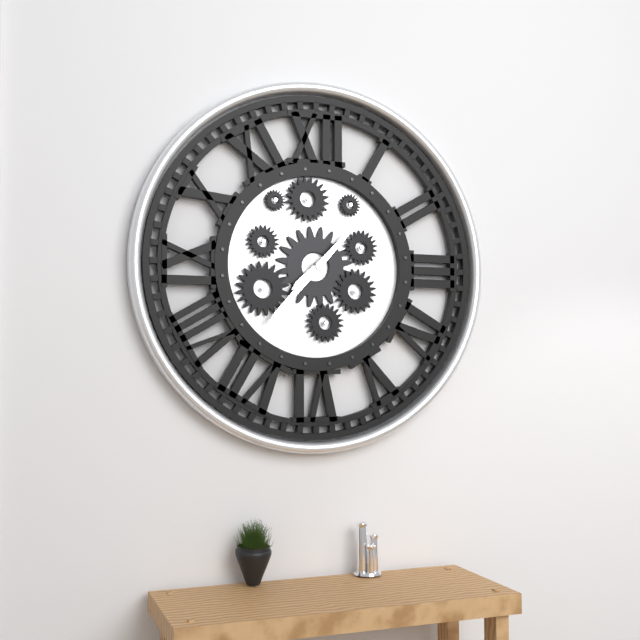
7:37
